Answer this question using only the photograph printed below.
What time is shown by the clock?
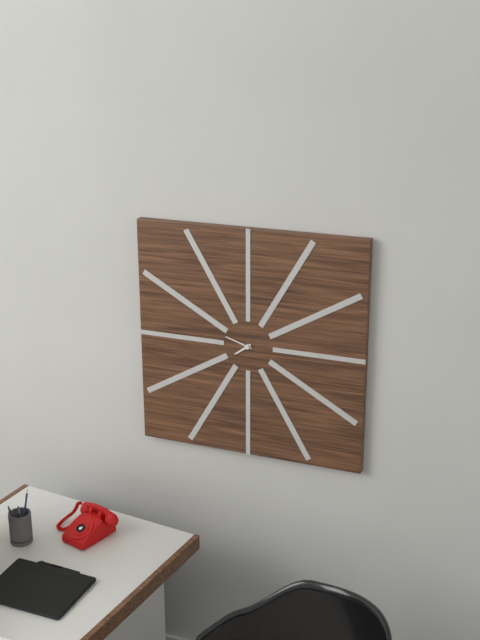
7:48
